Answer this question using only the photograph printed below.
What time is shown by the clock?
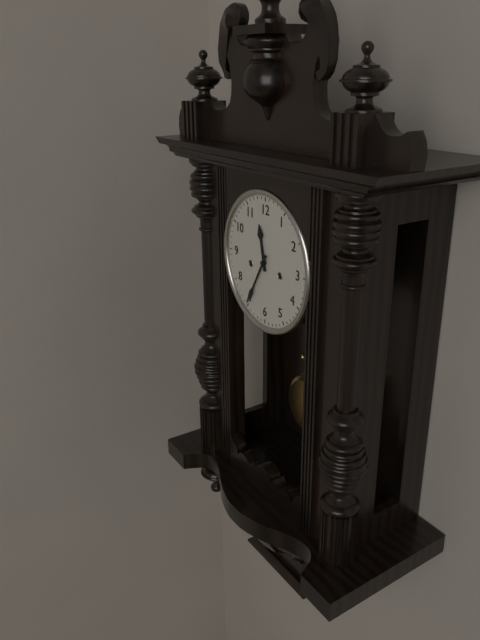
11:35
